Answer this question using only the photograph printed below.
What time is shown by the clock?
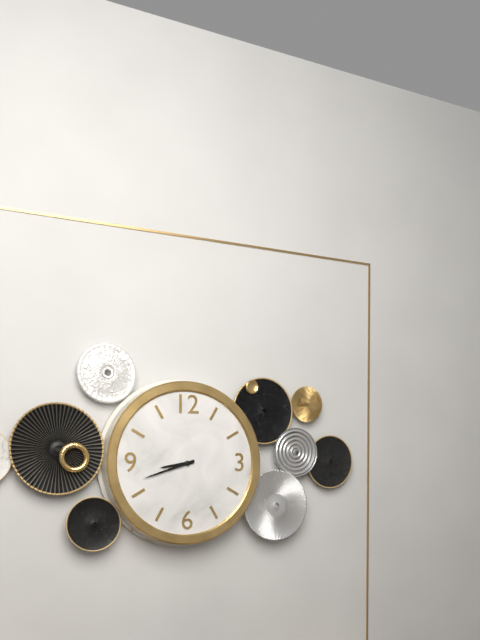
8:42
